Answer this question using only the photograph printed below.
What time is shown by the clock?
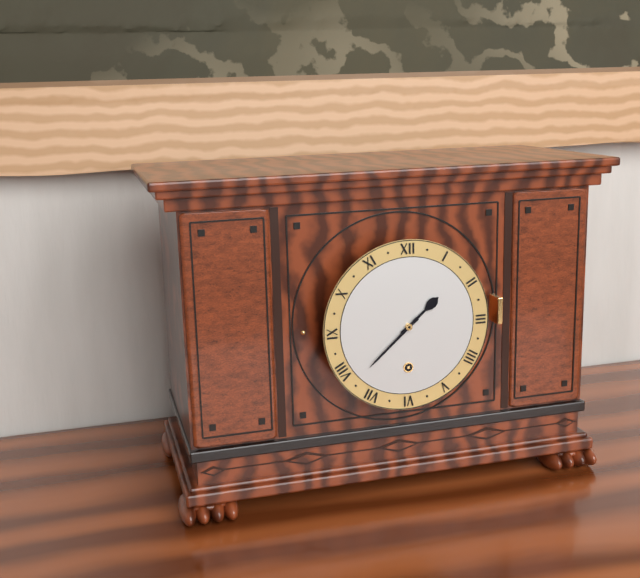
1:38
